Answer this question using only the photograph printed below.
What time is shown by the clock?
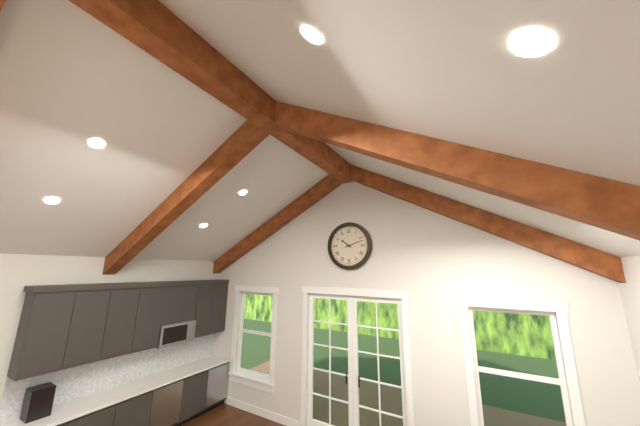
10:12
